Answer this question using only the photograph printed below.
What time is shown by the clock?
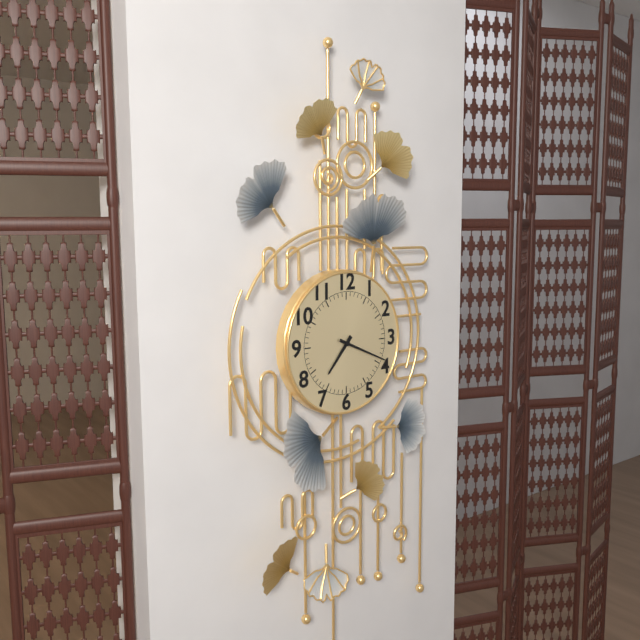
7:19
